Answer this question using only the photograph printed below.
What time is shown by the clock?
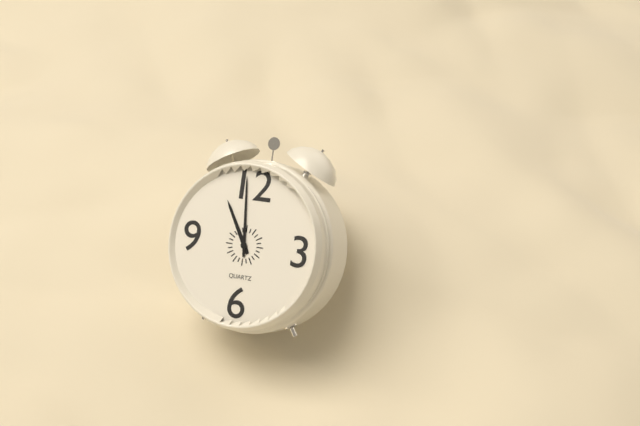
10:59
